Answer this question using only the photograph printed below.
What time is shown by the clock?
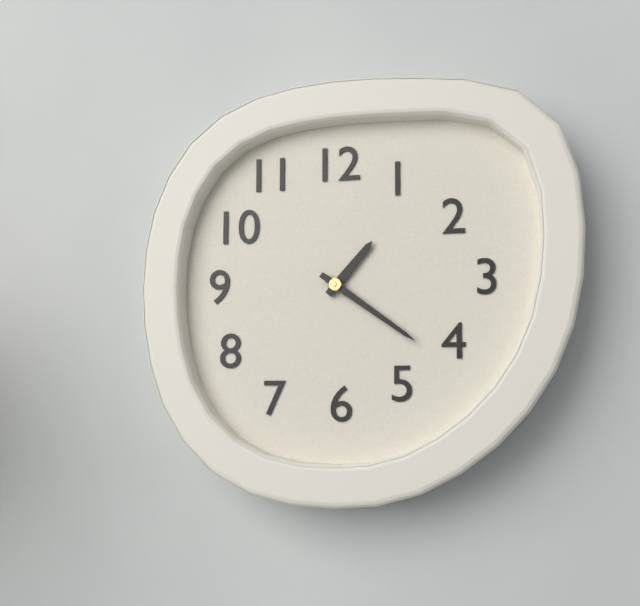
1:21
